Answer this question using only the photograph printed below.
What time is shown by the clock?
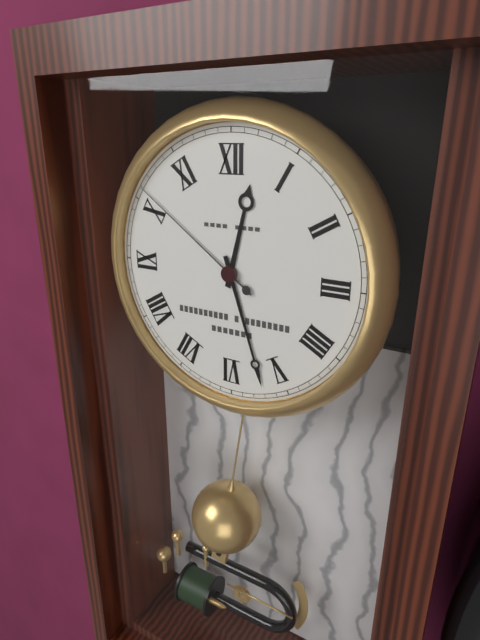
12:27:51
